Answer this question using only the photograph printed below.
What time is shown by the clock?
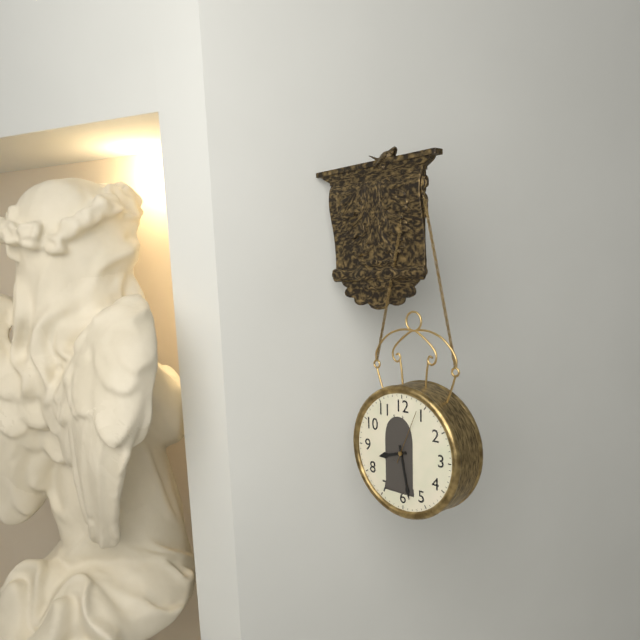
8:28:04
